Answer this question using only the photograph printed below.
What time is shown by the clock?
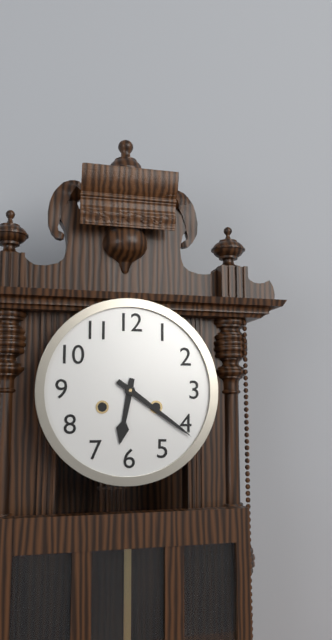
6:21
